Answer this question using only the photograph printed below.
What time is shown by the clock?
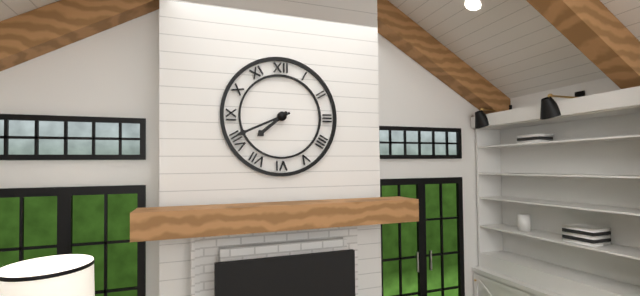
7:41
